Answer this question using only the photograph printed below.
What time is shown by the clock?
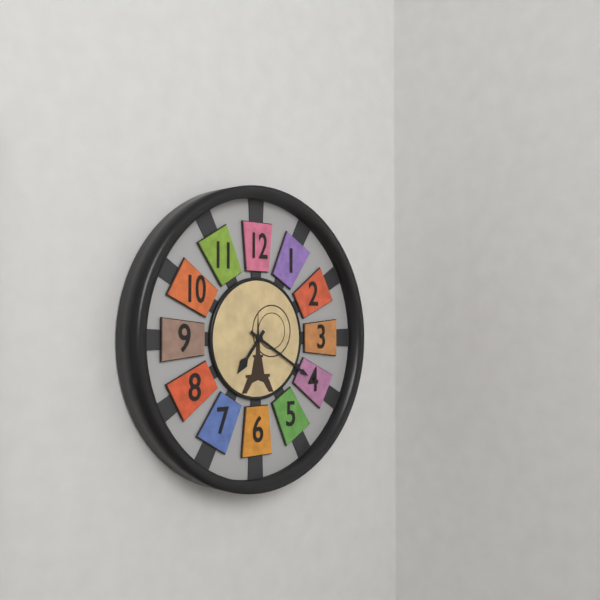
7:20
